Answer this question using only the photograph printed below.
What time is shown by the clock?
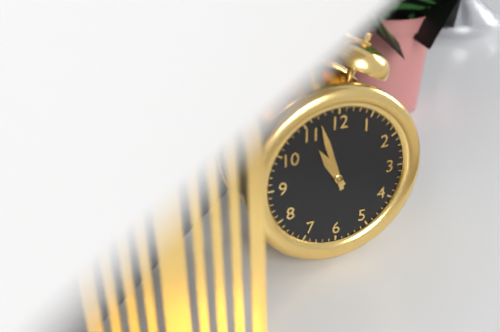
10:57
